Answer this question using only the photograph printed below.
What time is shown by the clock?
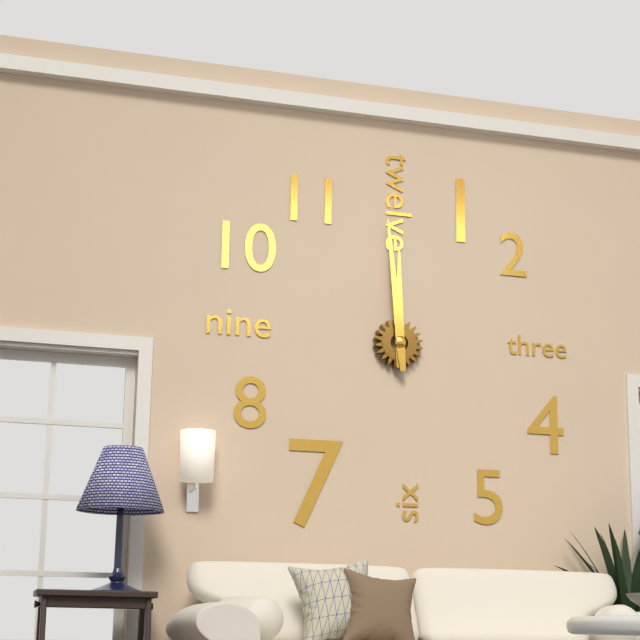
11:59
